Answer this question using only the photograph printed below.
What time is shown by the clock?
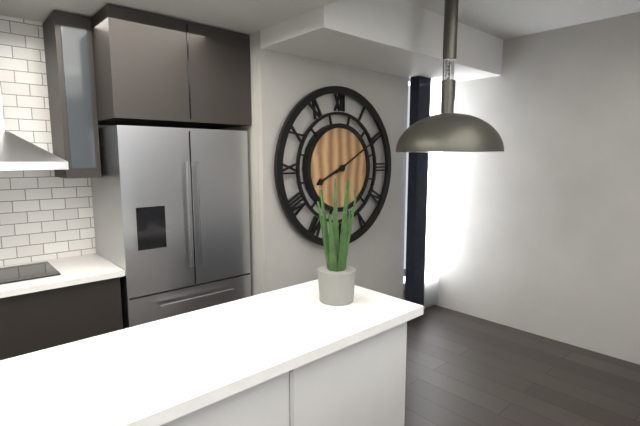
8:10
